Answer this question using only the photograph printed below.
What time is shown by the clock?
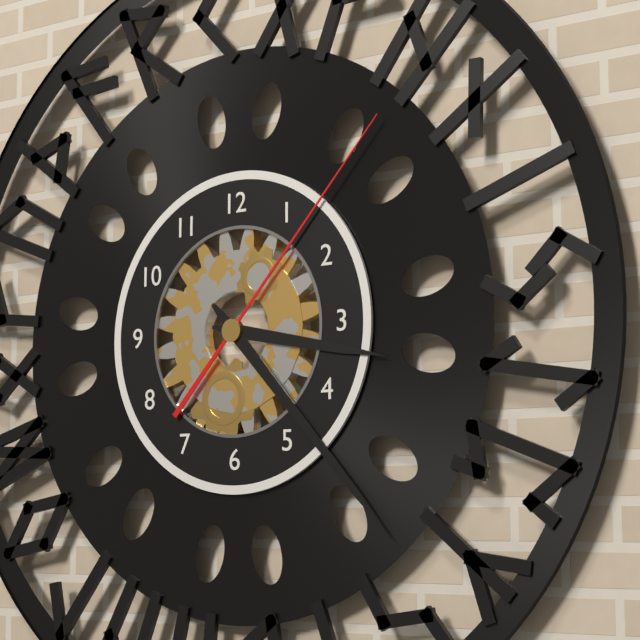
3:23:07
